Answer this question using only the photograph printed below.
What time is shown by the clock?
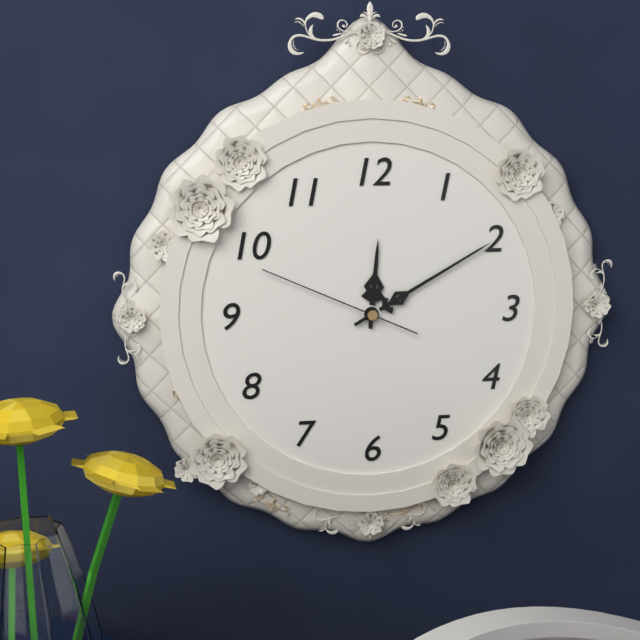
12:10:49
